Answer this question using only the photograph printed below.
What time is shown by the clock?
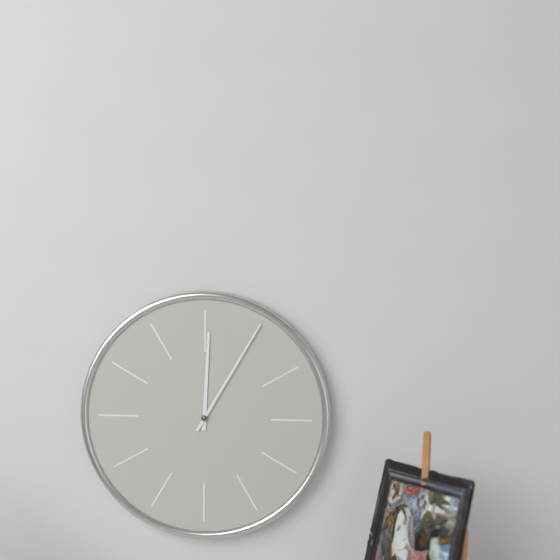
12:05
